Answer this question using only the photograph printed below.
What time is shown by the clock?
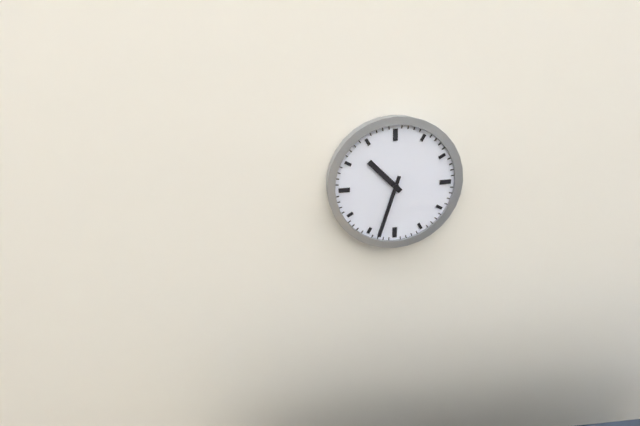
10:33
